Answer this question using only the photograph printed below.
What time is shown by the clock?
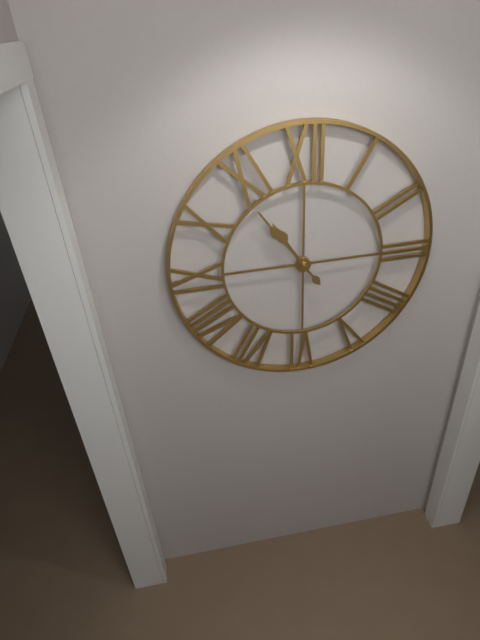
10:54
